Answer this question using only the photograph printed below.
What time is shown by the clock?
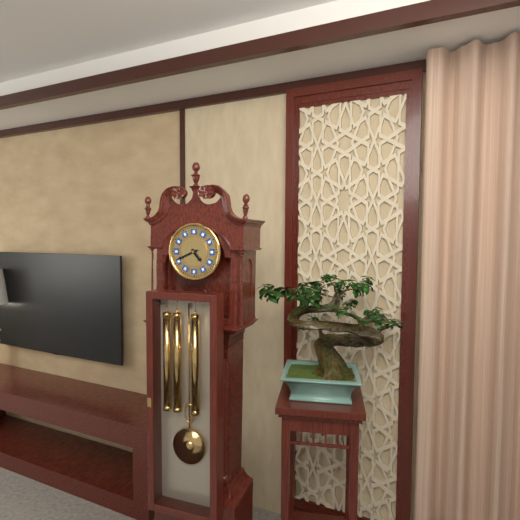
4:41
